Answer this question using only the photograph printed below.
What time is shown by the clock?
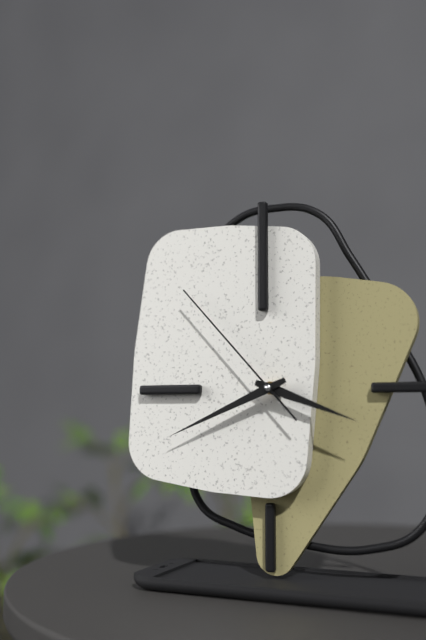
3:41:53
